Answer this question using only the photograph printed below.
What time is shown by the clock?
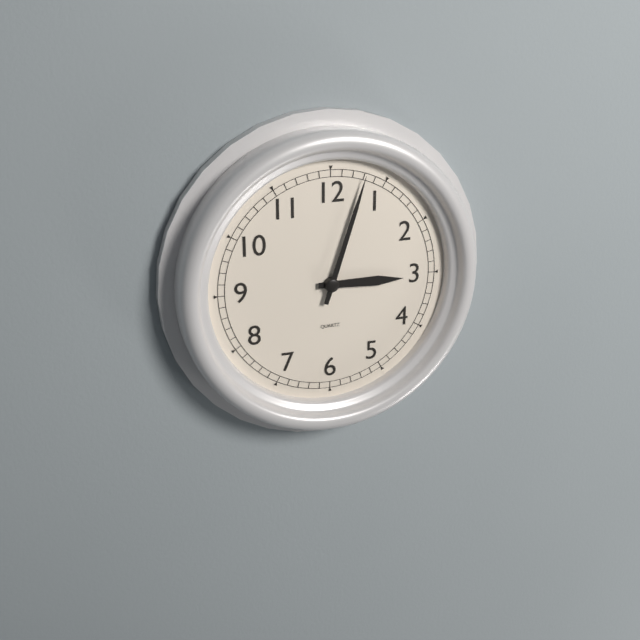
3:03
